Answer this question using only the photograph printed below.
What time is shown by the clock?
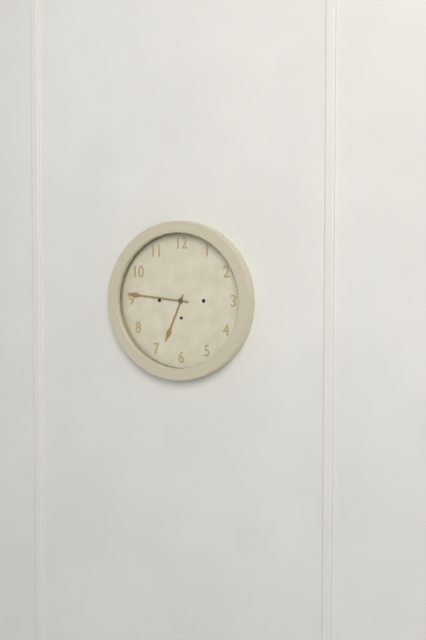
6:46
